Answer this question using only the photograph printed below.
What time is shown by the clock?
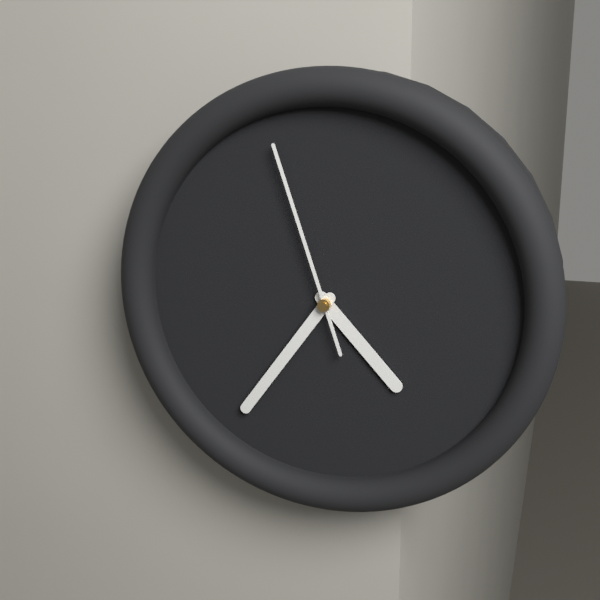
4:36:57
